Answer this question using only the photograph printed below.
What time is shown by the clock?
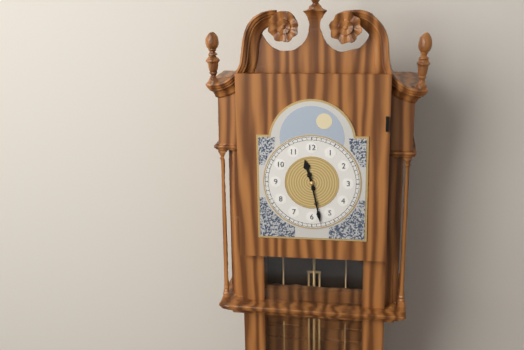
11:28
